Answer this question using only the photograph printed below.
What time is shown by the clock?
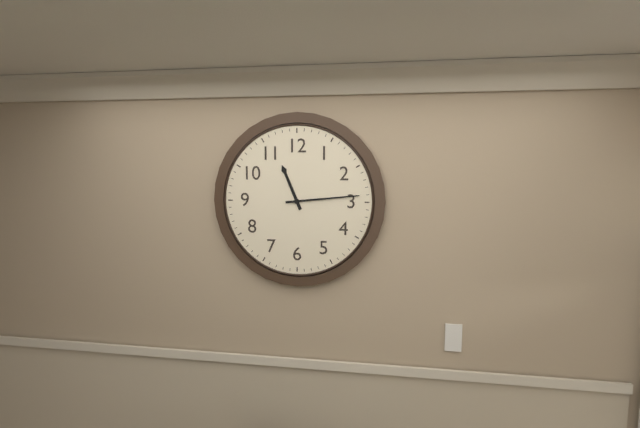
11:14
